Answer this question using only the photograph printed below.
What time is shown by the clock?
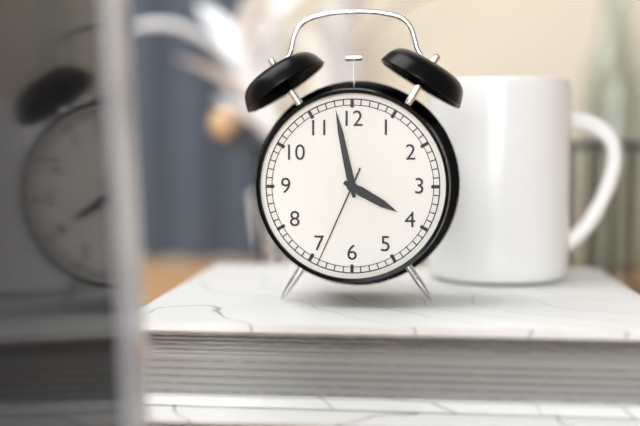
3:58:34
